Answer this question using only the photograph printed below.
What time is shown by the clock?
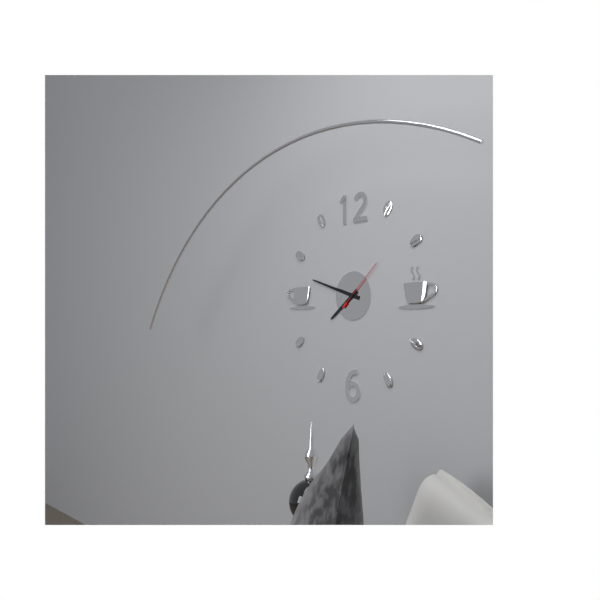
7:48
